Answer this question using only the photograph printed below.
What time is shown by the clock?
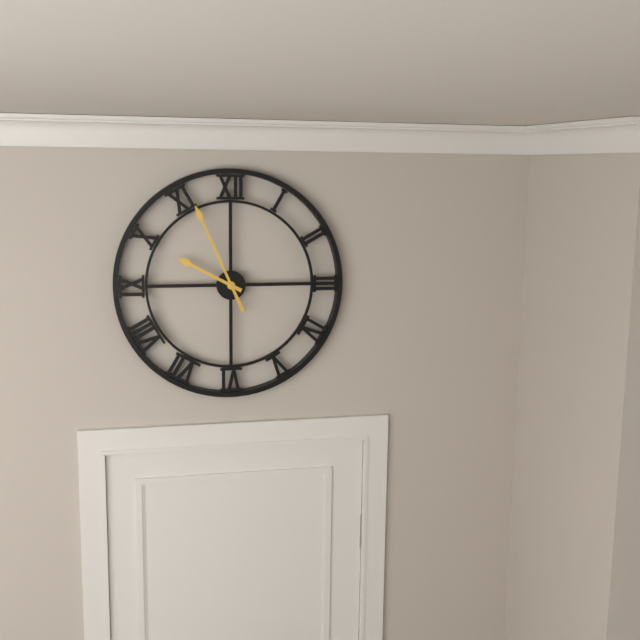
9:56
